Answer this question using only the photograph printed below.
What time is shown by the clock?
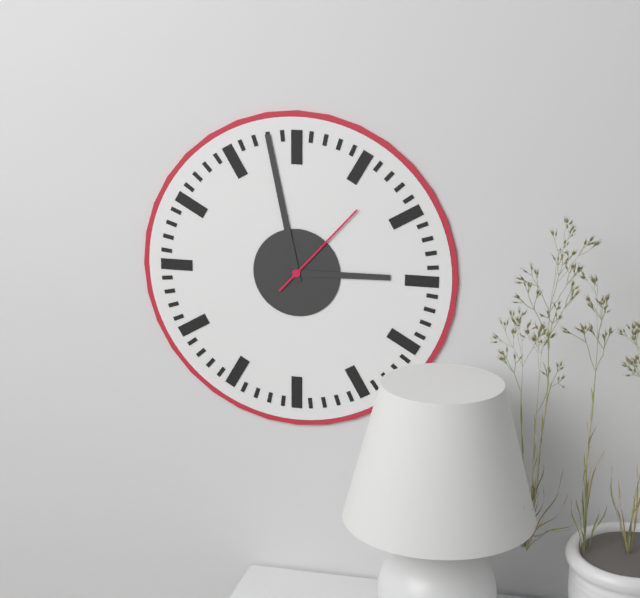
2:58:07
